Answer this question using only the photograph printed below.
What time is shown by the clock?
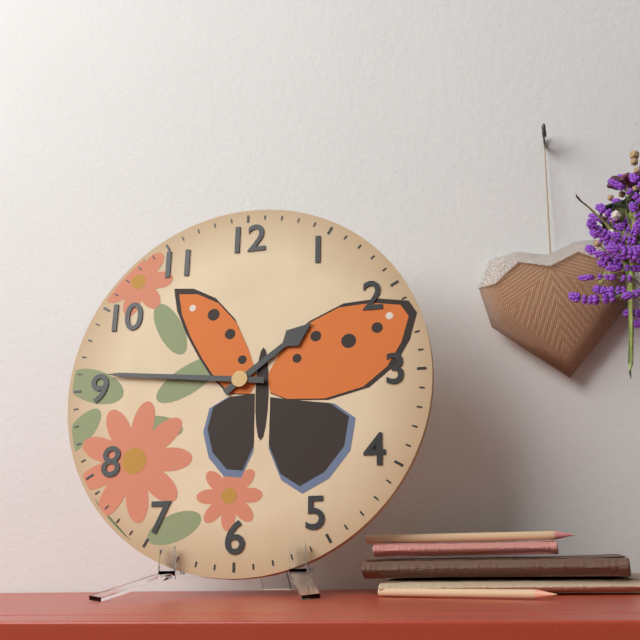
1:46
